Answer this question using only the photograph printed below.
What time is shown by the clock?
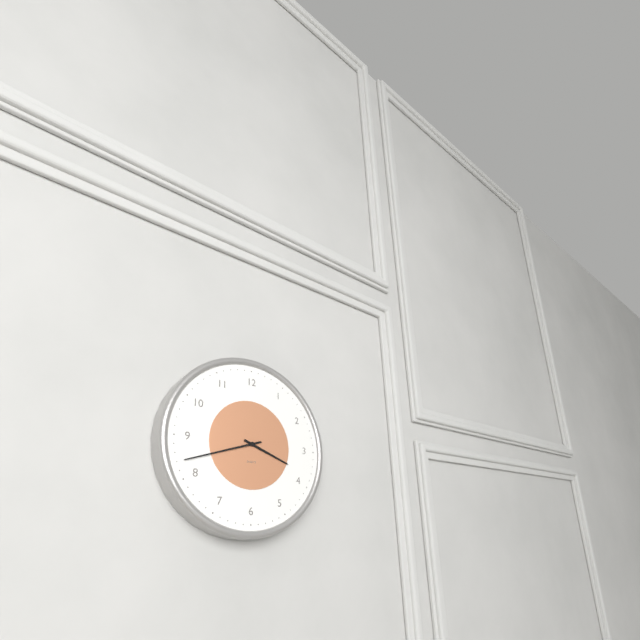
3:42
